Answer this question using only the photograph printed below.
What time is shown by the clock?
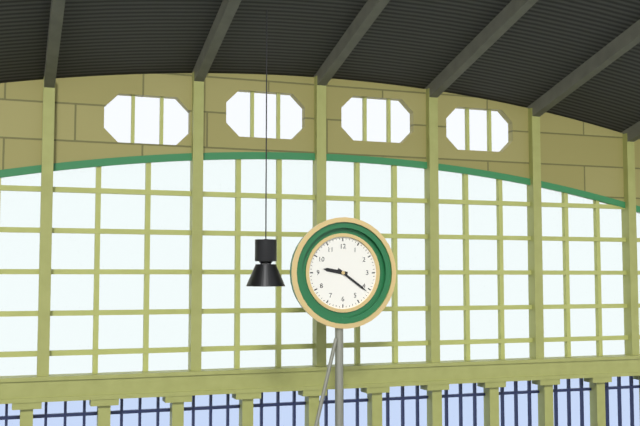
9:21
